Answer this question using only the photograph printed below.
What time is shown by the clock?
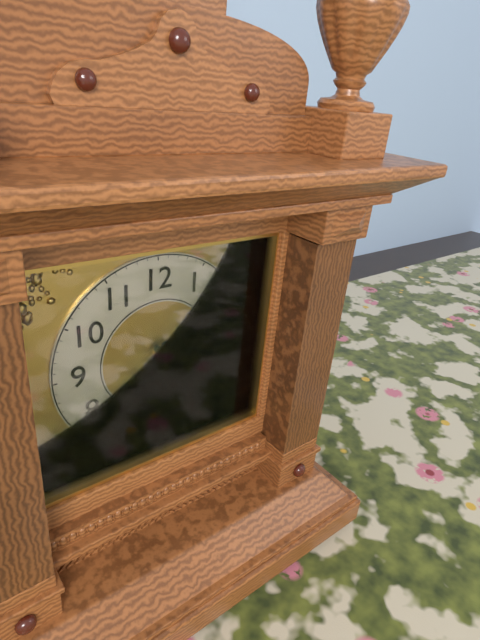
5:34
